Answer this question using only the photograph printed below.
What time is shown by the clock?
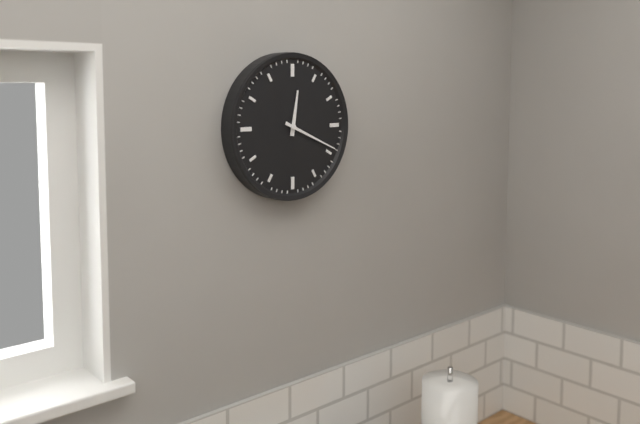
12:19
